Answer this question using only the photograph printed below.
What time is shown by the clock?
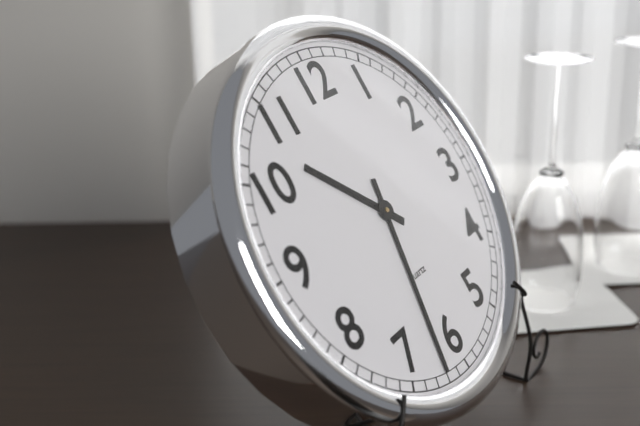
10:32
